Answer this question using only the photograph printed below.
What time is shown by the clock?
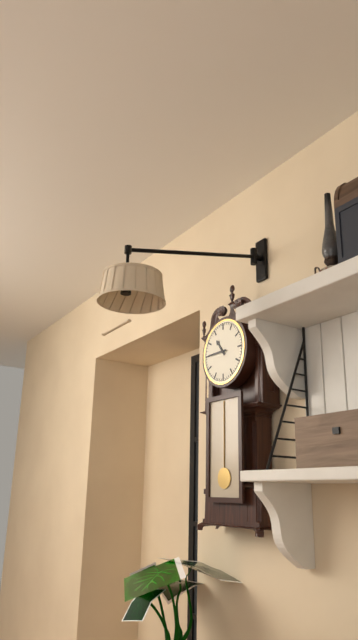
10:45
